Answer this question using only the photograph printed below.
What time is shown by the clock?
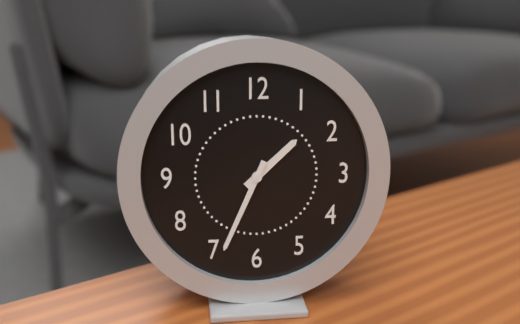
1:34
